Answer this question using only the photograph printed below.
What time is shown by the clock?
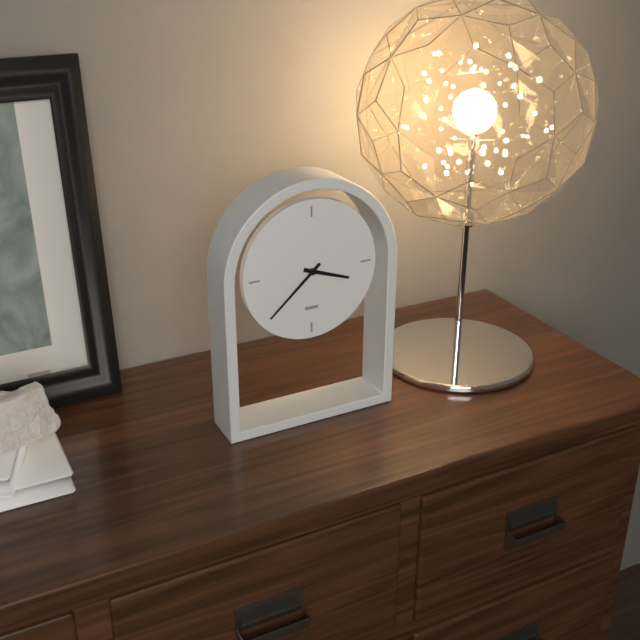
3:38
